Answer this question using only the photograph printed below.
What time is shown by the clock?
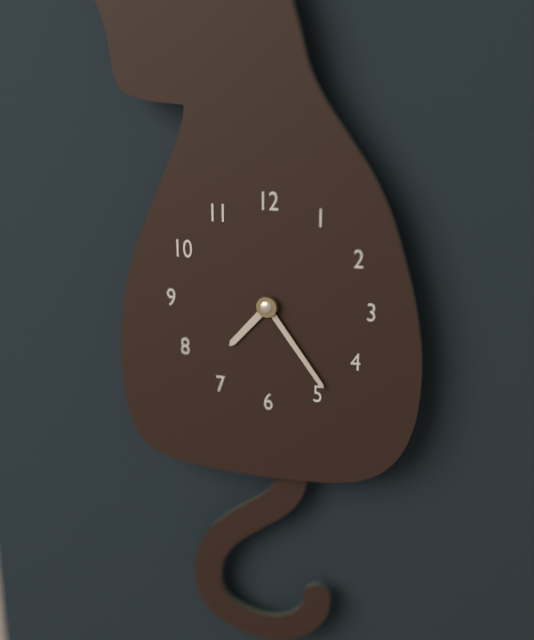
7:24
